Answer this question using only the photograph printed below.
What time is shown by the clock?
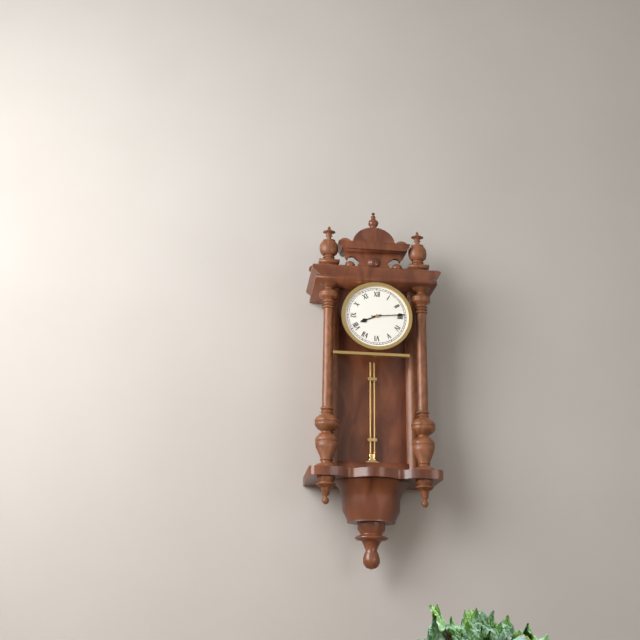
8:14
